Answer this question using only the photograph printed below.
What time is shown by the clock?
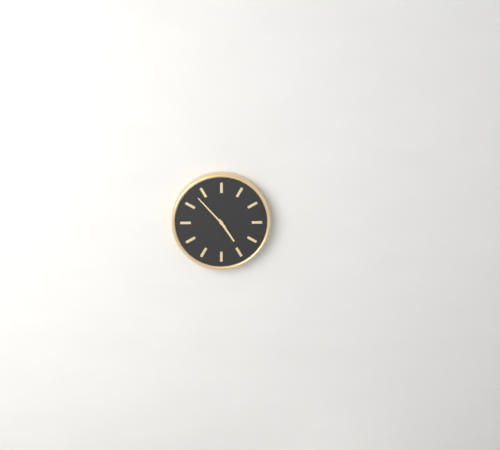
4:53
